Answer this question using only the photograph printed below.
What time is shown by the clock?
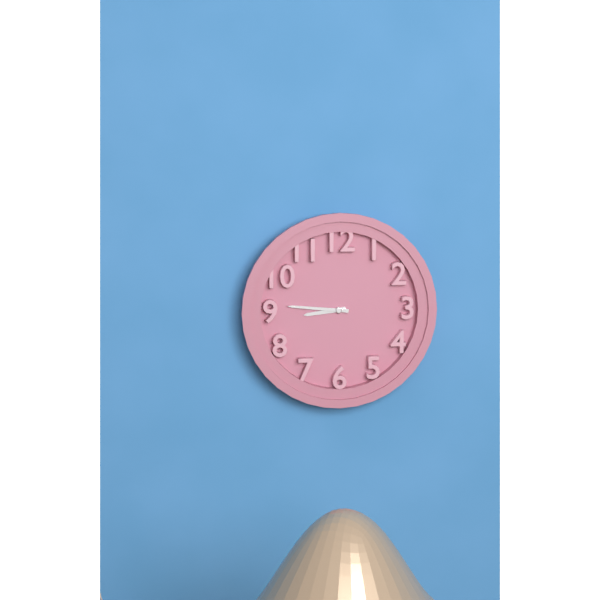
8:46
